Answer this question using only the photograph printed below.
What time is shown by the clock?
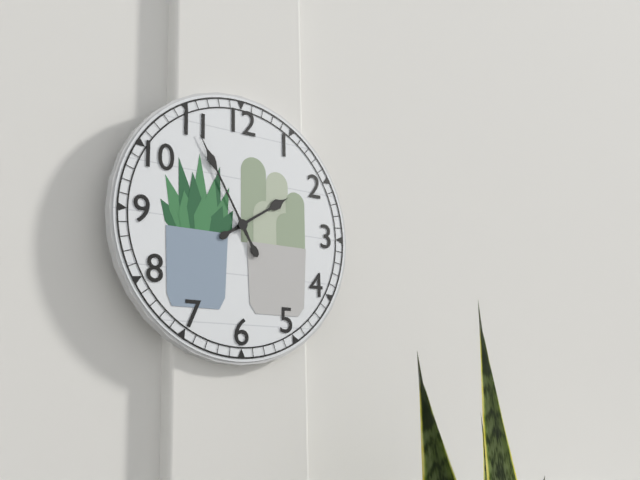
1:55
